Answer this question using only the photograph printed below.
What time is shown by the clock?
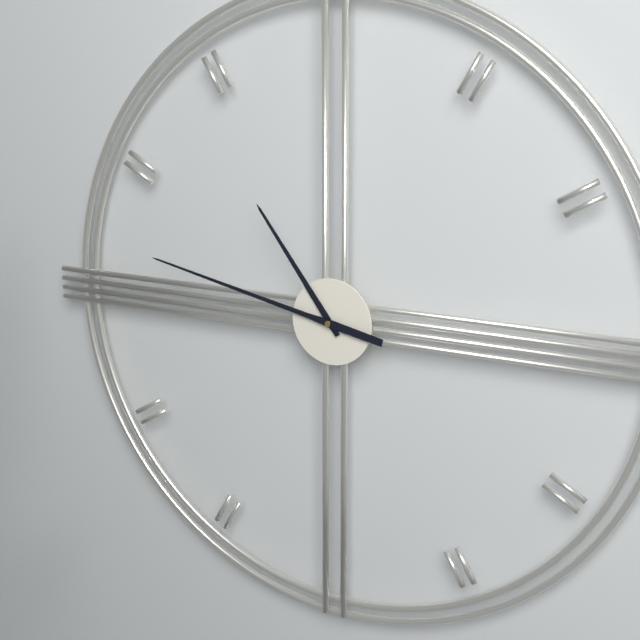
10:47
